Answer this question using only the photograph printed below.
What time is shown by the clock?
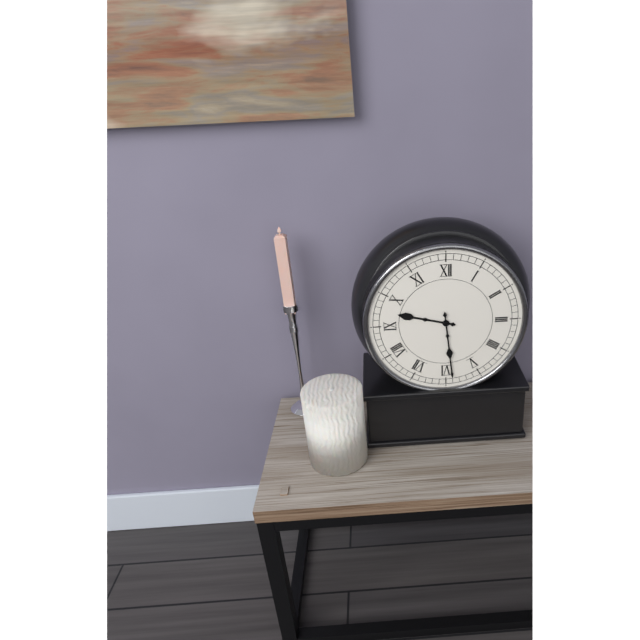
9:29
